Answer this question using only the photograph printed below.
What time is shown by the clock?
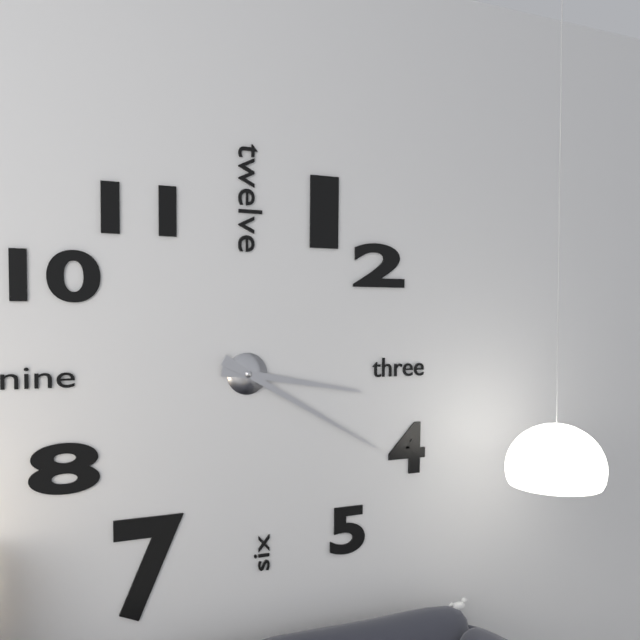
3:20
